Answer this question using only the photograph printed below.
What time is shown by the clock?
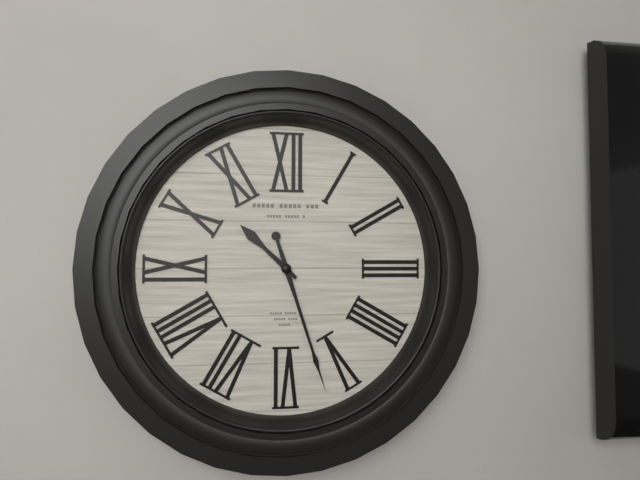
10:27
